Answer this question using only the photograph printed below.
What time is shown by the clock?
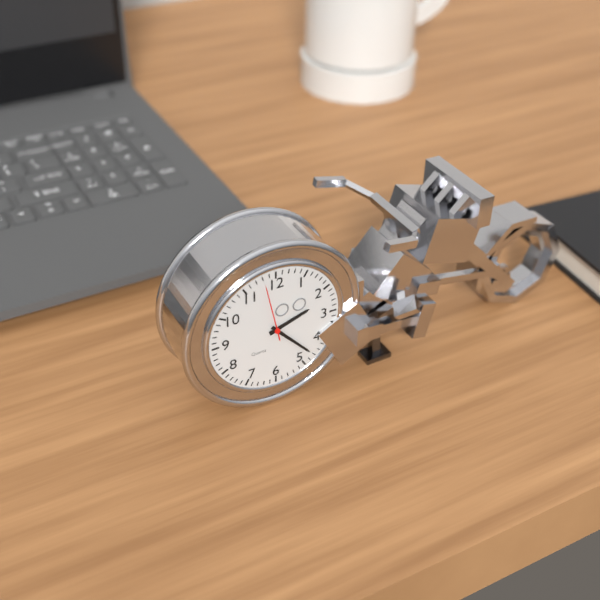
2:23:58
